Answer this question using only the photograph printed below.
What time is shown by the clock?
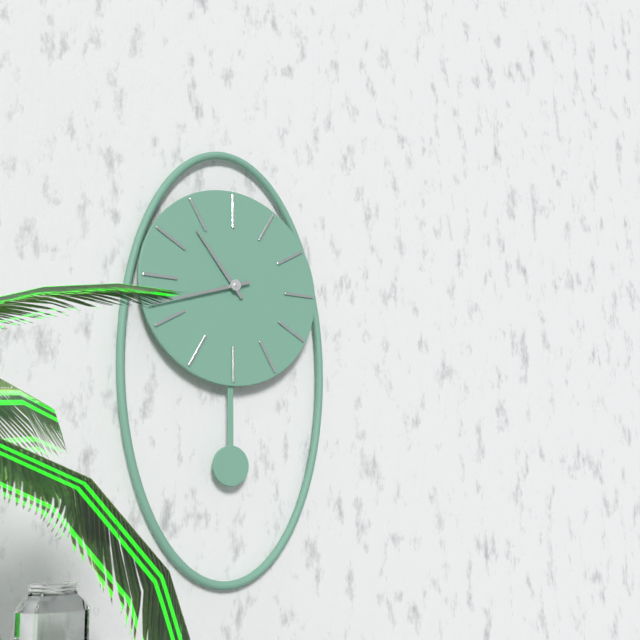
10:42
